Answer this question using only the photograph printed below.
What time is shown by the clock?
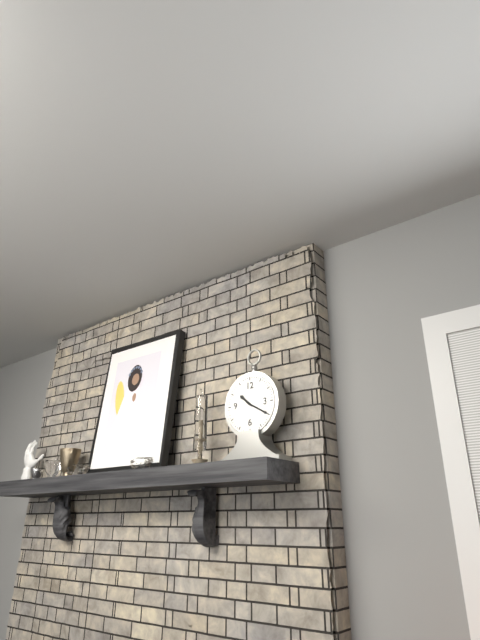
10:20
